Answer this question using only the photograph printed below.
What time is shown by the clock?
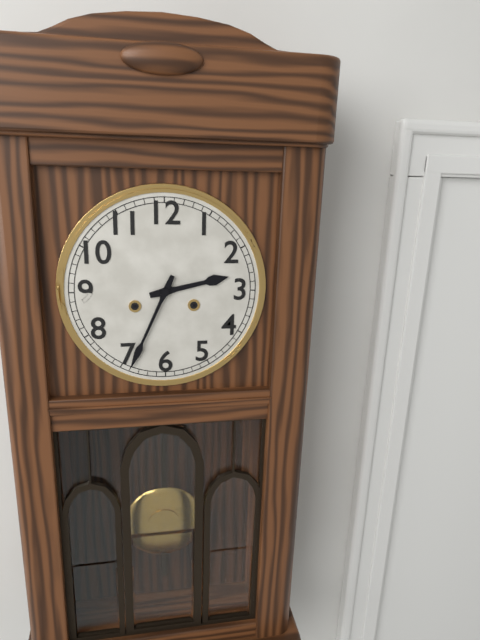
2:34
